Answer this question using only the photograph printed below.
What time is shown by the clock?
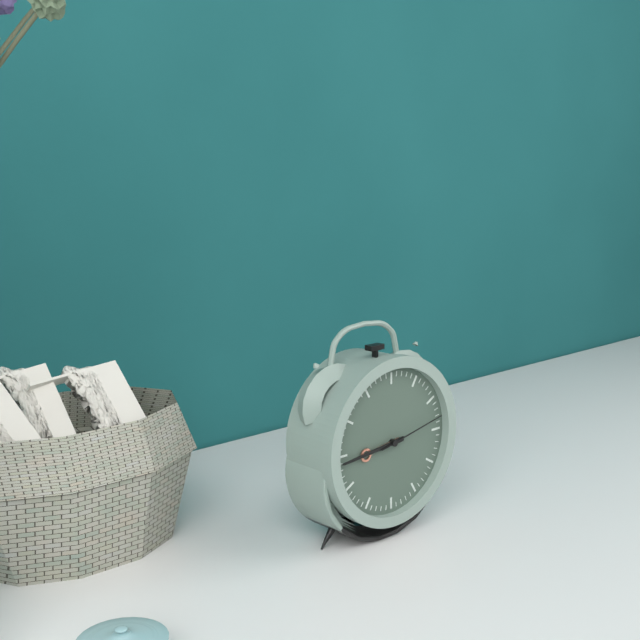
8:44:13
